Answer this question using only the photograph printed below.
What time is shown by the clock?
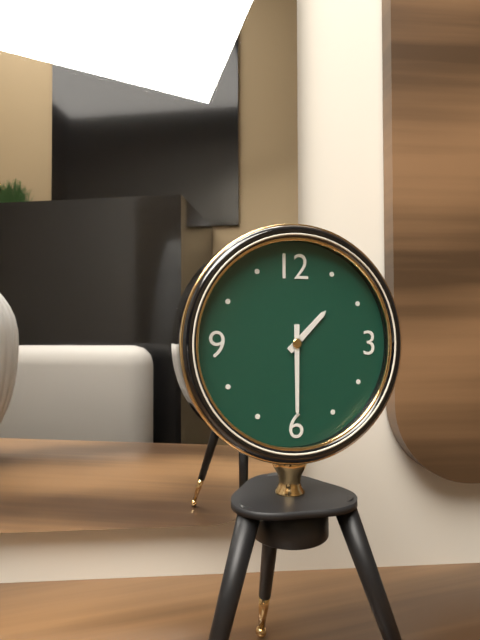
1:30
